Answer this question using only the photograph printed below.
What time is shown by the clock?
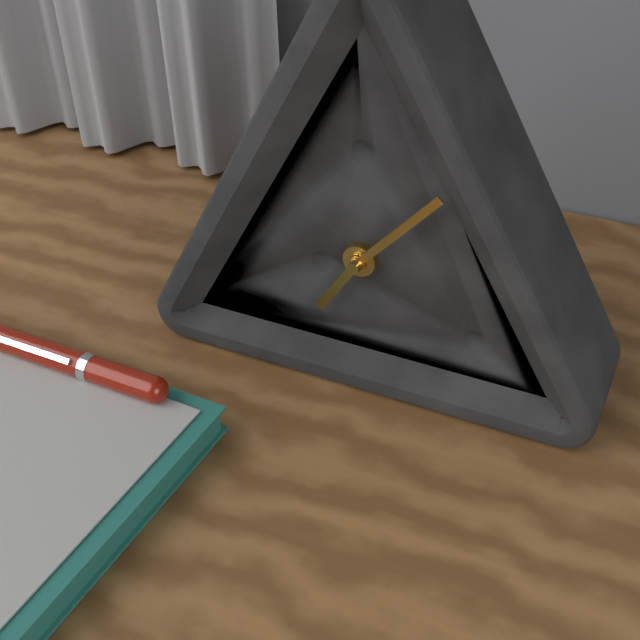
7:07
